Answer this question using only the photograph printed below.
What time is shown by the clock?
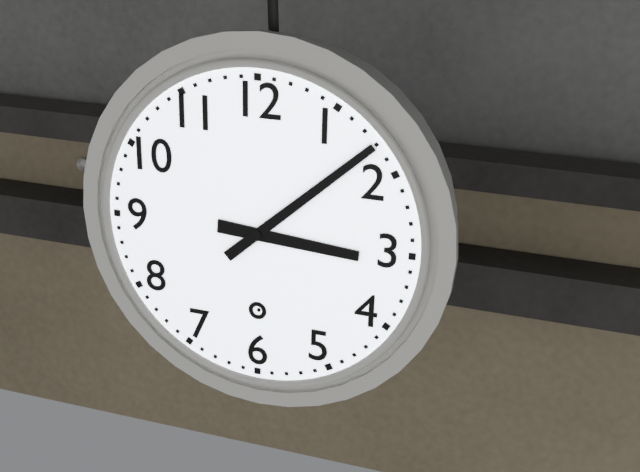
3:08
